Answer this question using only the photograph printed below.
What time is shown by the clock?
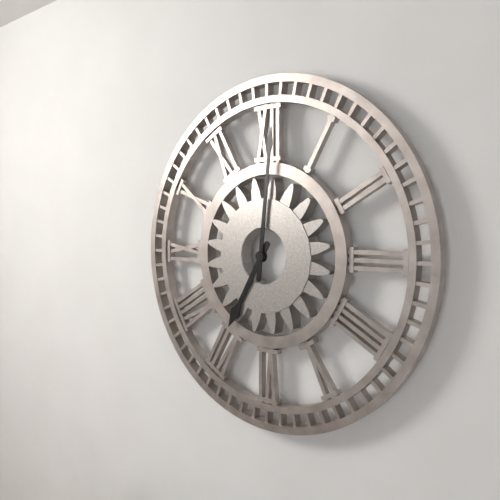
7:01
